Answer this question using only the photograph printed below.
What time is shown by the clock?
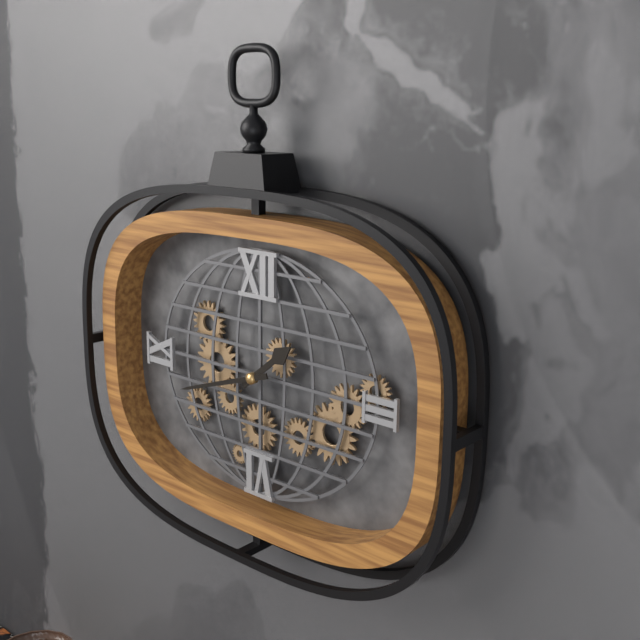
1:42
